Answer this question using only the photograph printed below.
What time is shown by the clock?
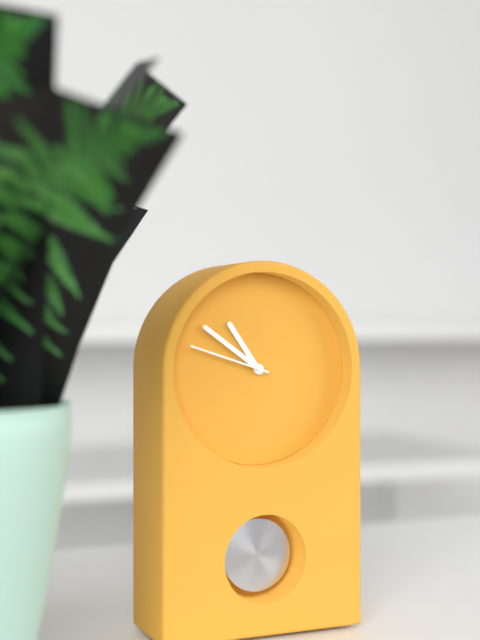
10:51:48
